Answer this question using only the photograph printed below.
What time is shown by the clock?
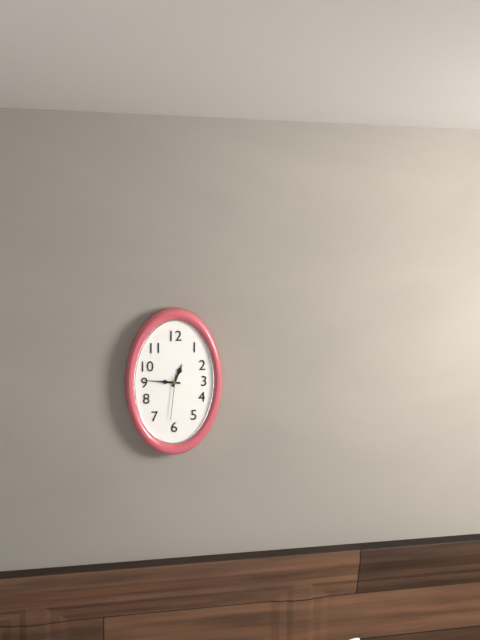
12:46
